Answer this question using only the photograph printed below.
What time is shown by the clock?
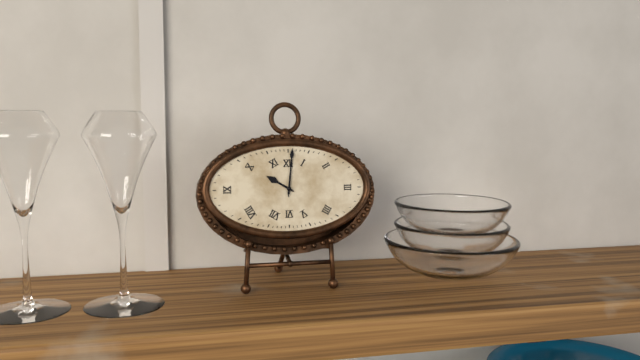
10:01
